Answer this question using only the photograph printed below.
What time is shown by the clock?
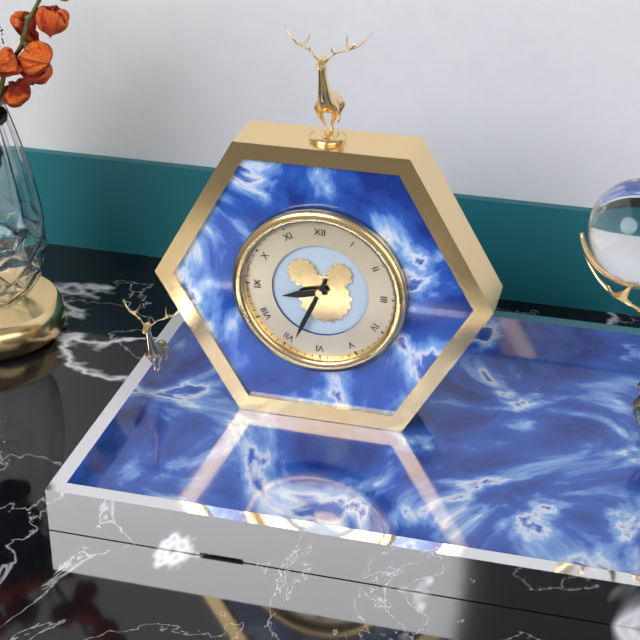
8:34
